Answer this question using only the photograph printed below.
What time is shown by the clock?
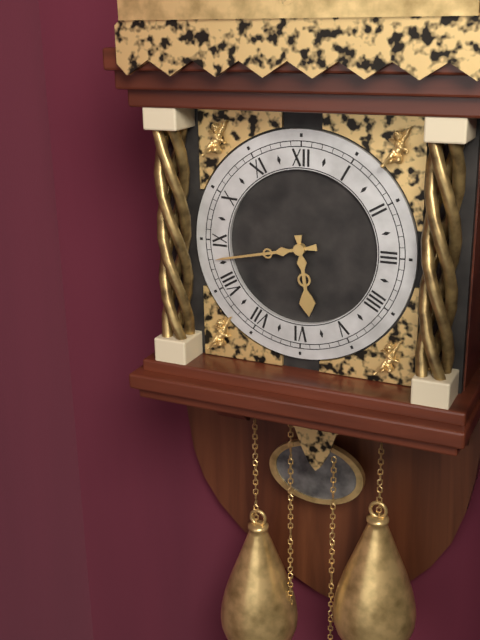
5:43
